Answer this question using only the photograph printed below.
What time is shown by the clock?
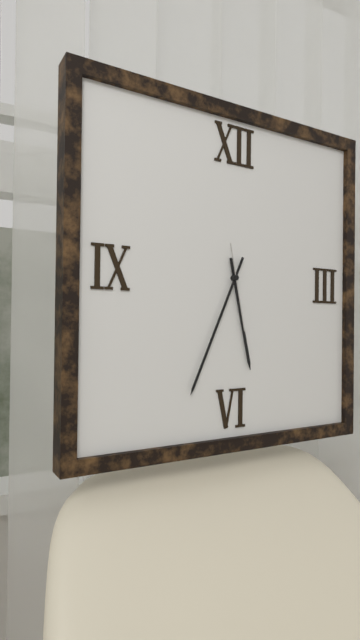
5:34:28
